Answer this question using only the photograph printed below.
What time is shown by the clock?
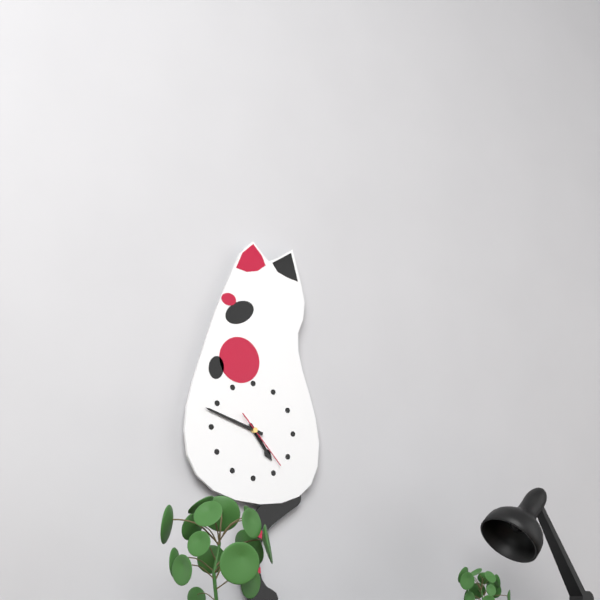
4:48:23
